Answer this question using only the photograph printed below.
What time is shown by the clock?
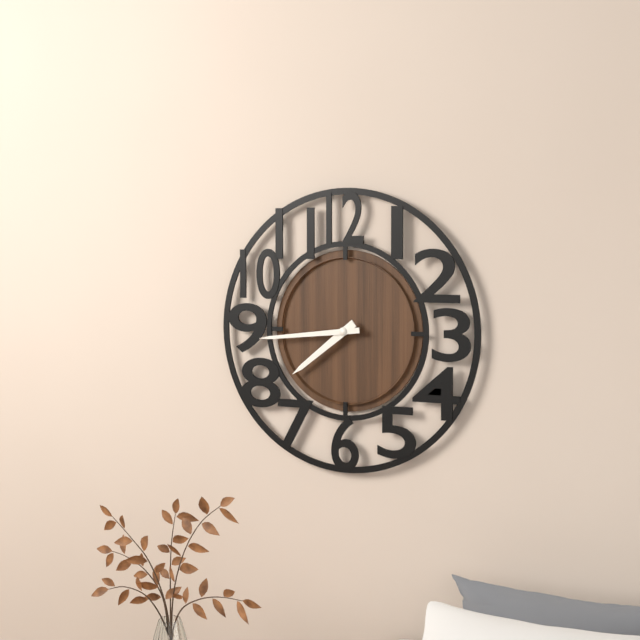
7:44
